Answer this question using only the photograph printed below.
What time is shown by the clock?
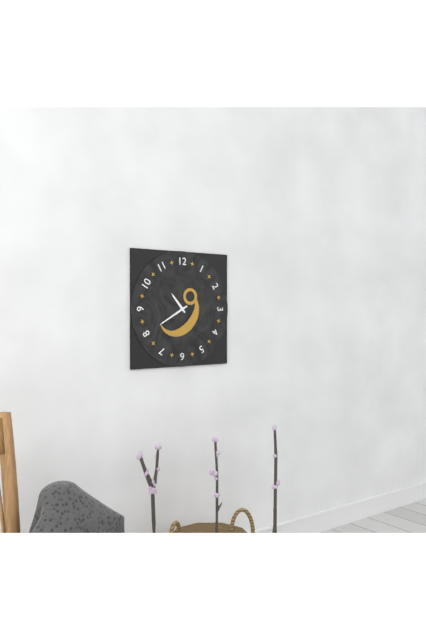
10:40
